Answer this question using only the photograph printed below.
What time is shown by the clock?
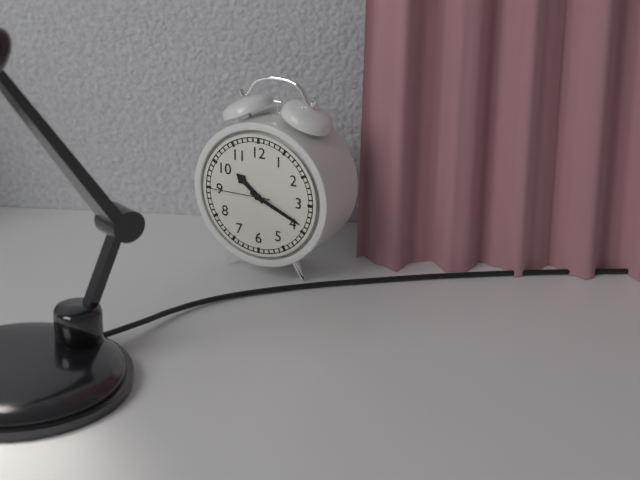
10:19:45
